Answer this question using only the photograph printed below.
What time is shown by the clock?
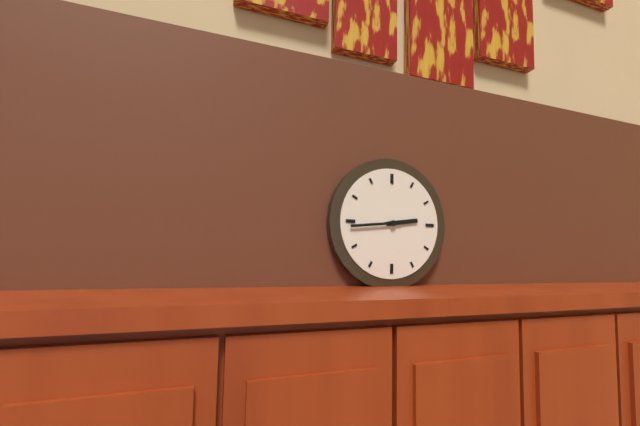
2:44
